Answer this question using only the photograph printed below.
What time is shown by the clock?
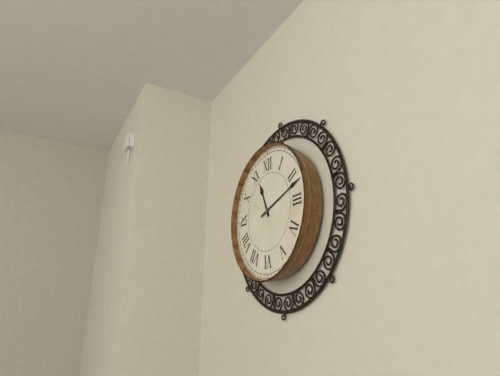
11:12
